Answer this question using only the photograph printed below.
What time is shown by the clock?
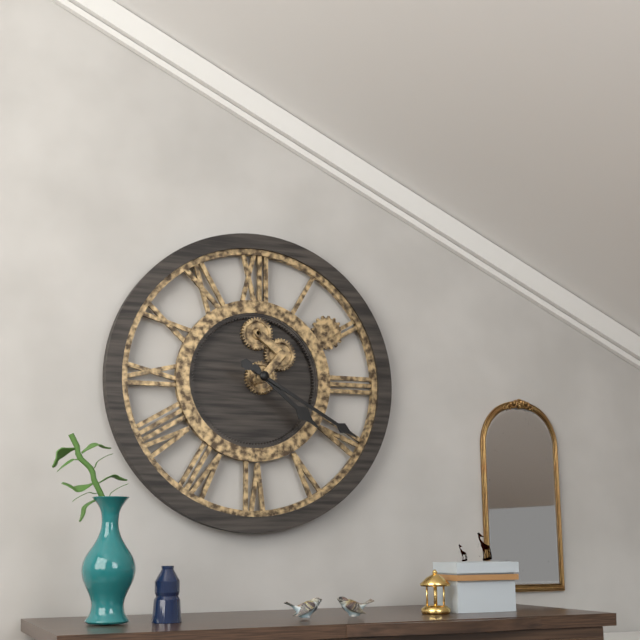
4:20
